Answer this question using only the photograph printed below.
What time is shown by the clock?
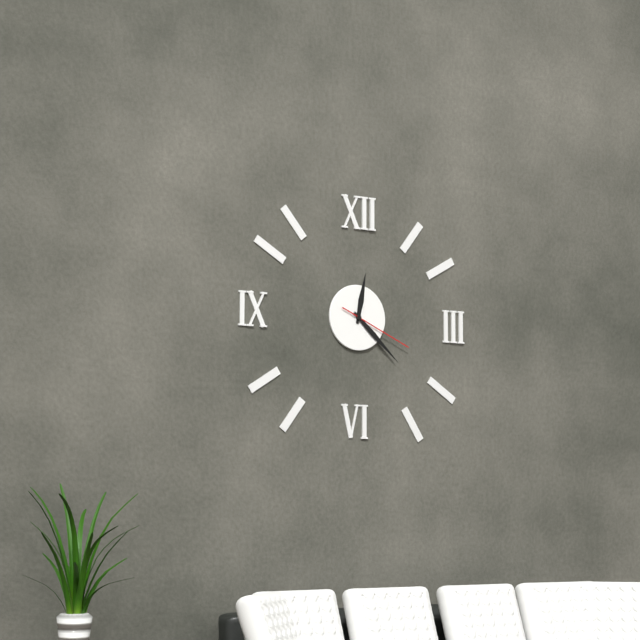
12:22:19
